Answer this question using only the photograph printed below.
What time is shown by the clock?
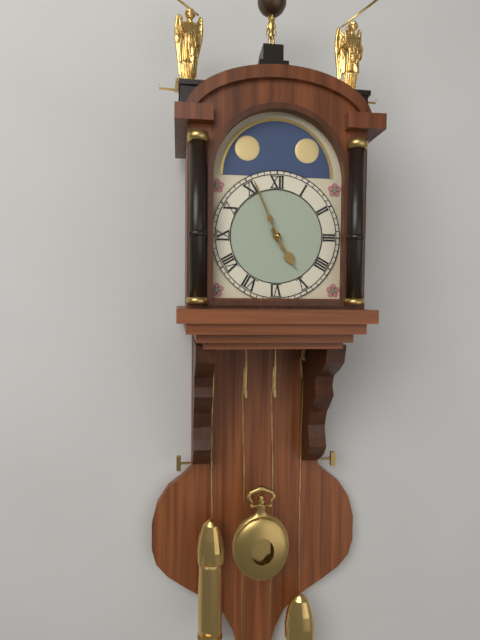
4:56
